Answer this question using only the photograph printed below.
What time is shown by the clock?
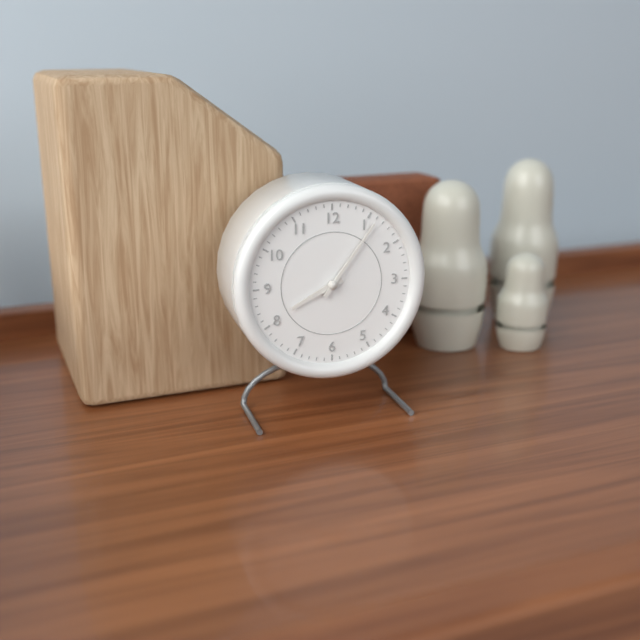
8:06
